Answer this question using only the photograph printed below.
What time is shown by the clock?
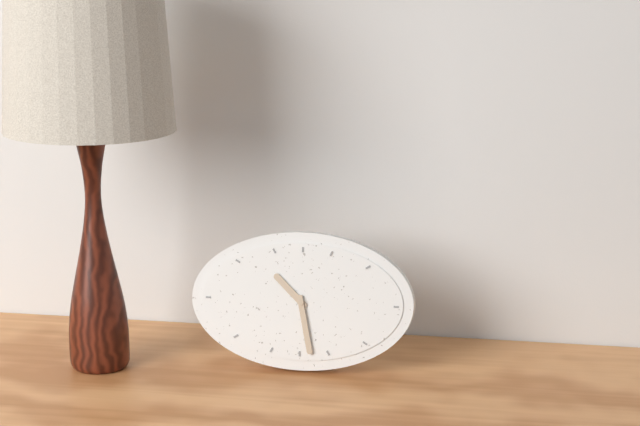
10:28
